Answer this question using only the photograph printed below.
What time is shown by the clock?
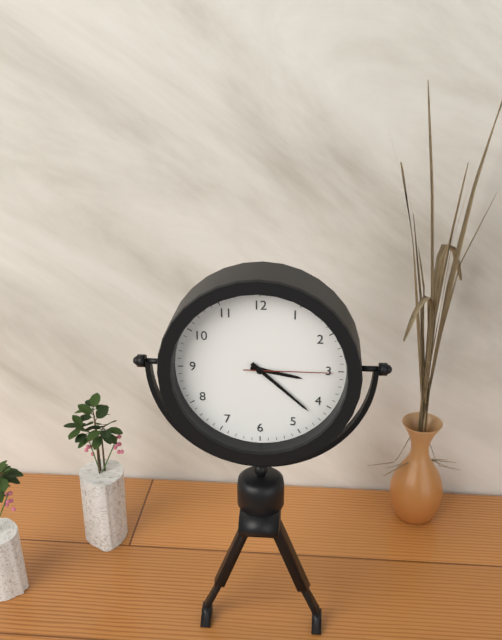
3:22:15
